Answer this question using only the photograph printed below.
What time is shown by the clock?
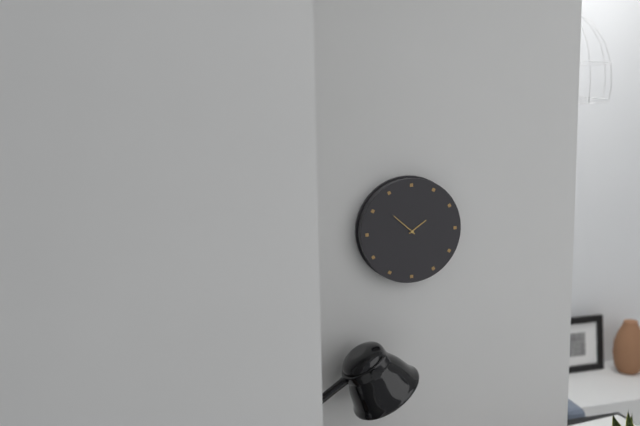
1:52
